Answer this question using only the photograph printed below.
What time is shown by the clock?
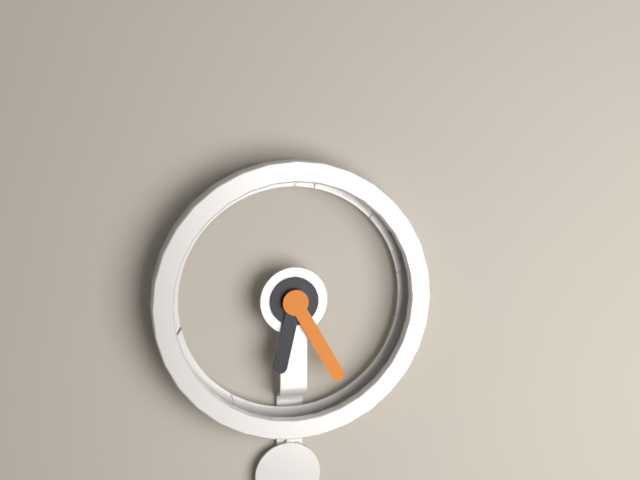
6:25
